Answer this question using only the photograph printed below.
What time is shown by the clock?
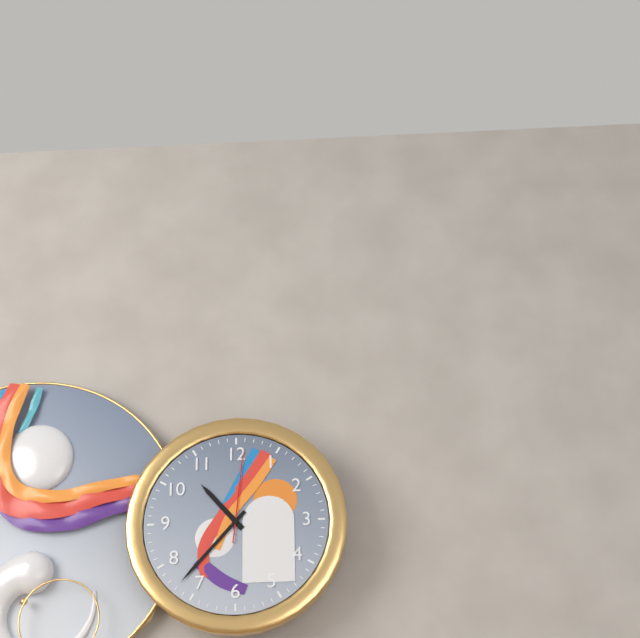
10:37:01
